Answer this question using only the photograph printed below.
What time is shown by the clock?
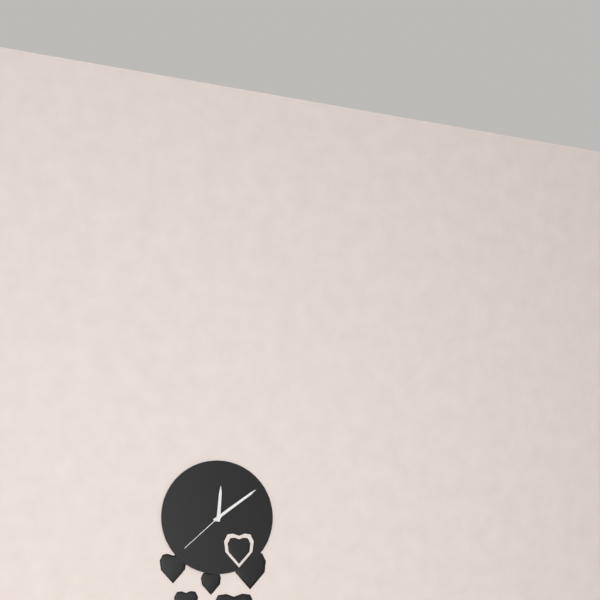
12:09:38
